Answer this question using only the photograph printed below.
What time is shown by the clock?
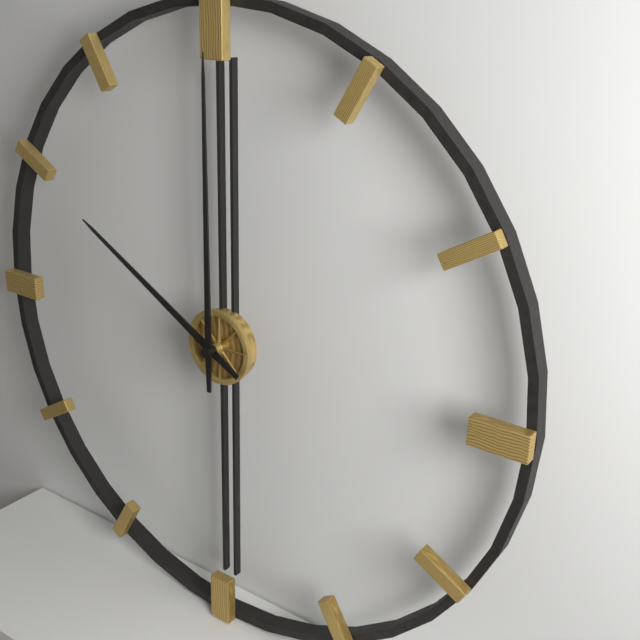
10:00
